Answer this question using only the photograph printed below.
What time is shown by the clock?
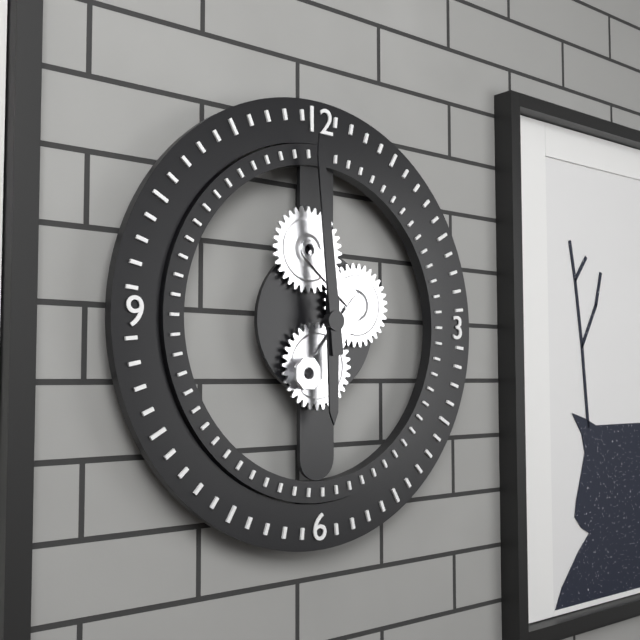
5:59
